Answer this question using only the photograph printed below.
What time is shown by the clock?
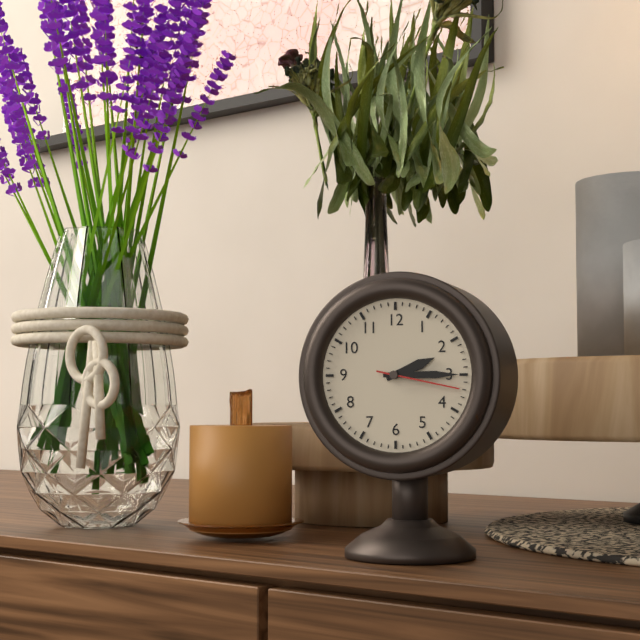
2:15:17
